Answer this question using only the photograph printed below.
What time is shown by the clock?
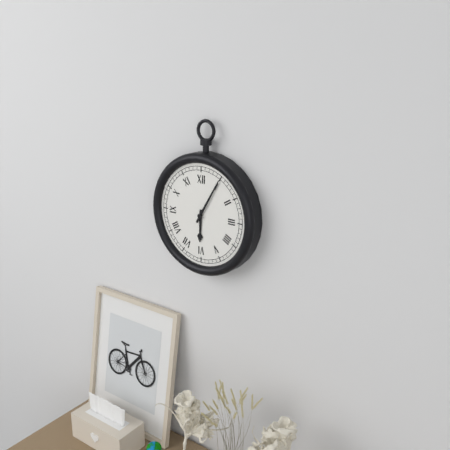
6:05
